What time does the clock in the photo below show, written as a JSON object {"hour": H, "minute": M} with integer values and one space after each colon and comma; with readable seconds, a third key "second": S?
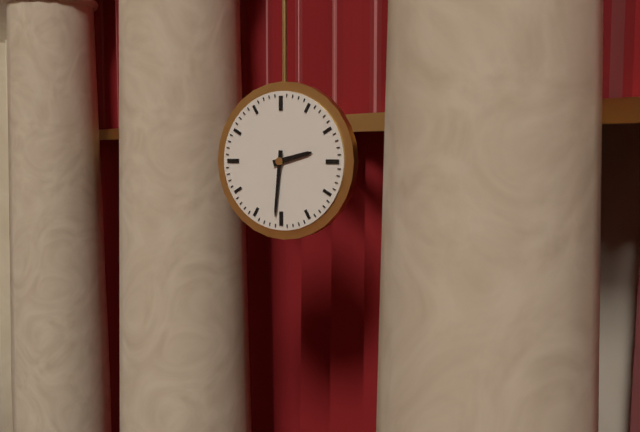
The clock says {"hour": 2, "minute": 31}
